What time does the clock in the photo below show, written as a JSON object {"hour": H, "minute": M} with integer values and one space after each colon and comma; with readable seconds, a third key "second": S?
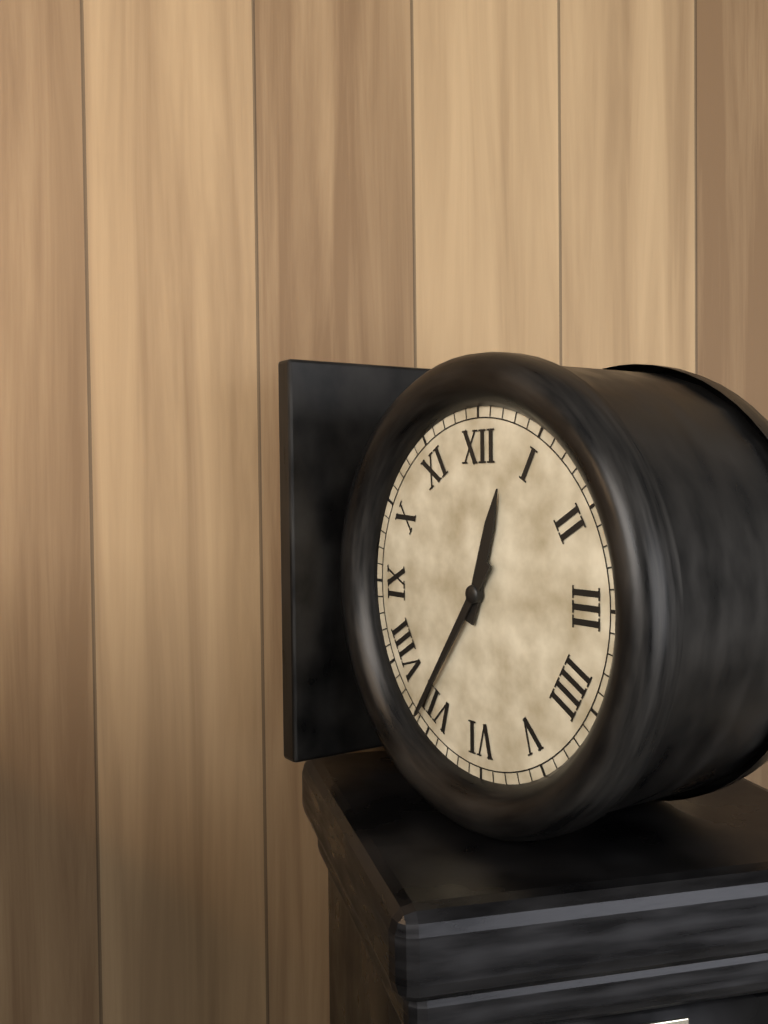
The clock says {"hour": 12, "minute": 36}
